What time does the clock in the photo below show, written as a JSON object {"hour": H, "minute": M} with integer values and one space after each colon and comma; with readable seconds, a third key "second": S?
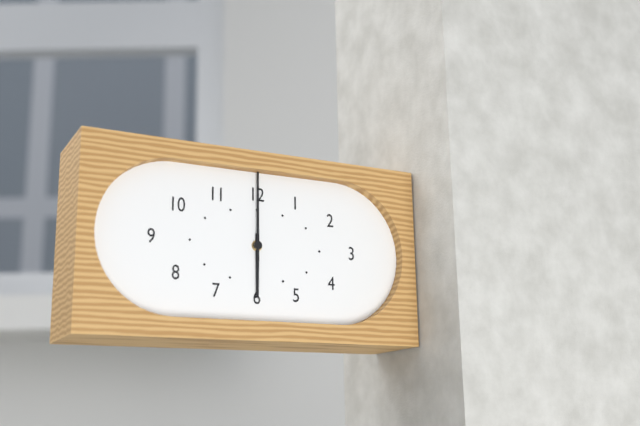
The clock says {"hour": 6, "minute": 0}
